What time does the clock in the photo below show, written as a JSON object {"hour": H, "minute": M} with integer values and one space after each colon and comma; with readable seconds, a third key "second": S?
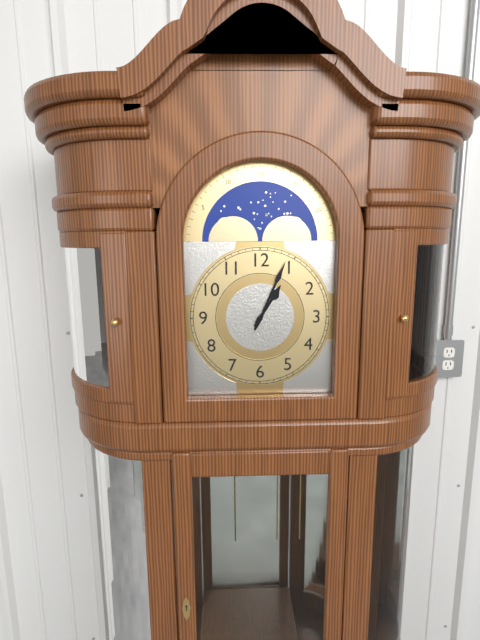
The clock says {"hour": 1, "minute": 4}
